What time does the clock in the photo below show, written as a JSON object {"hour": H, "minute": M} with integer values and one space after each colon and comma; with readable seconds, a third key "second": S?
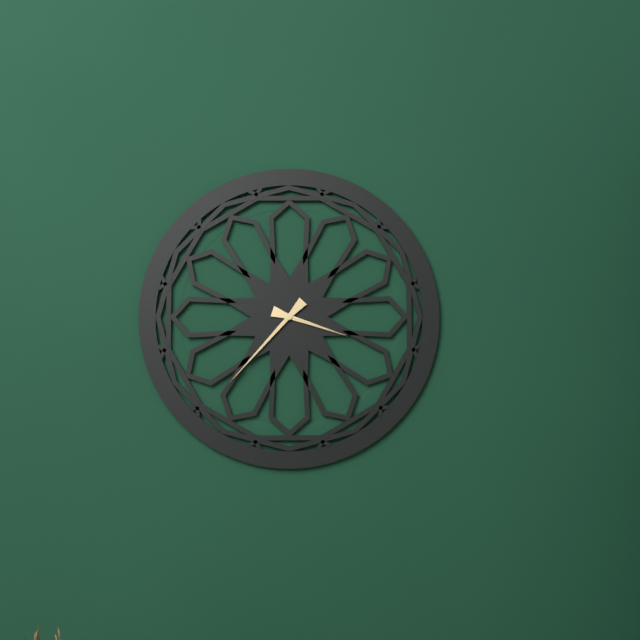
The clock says {"hour": 3, "minute": 37}
